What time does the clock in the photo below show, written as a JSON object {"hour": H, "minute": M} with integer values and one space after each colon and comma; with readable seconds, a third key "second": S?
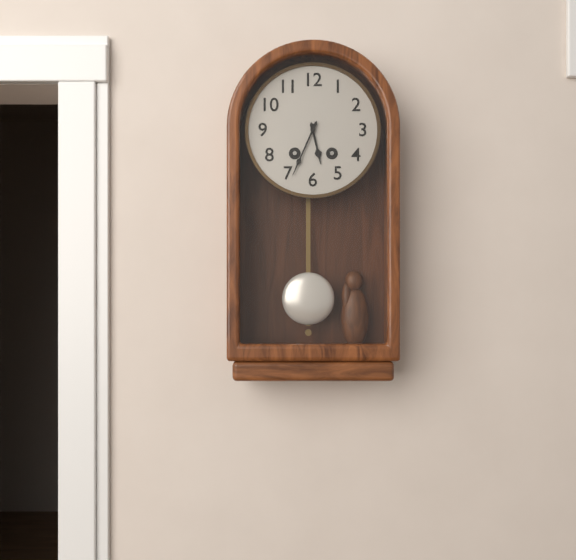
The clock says {"hour": 5, "minute": 34}
